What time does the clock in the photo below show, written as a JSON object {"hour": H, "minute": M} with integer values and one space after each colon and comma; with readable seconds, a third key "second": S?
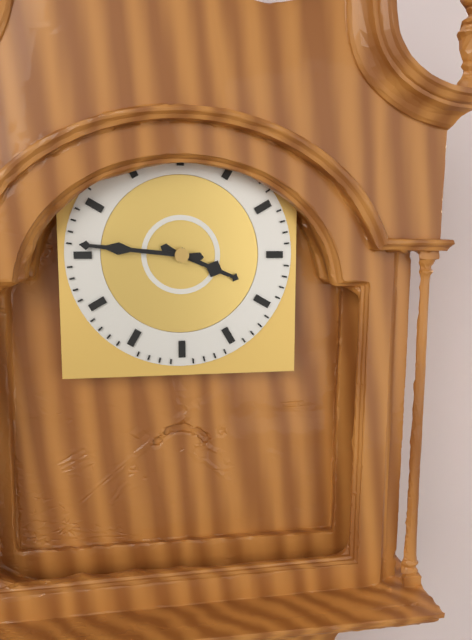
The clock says {"hour": 3, "minute": 46}
